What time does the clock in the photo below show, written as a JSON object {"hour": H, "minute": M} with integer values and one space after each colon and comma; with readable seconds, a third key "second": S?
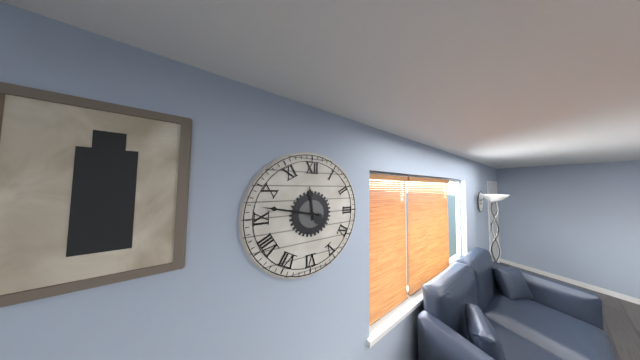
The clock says {"hour": 11, "minute": 47}
